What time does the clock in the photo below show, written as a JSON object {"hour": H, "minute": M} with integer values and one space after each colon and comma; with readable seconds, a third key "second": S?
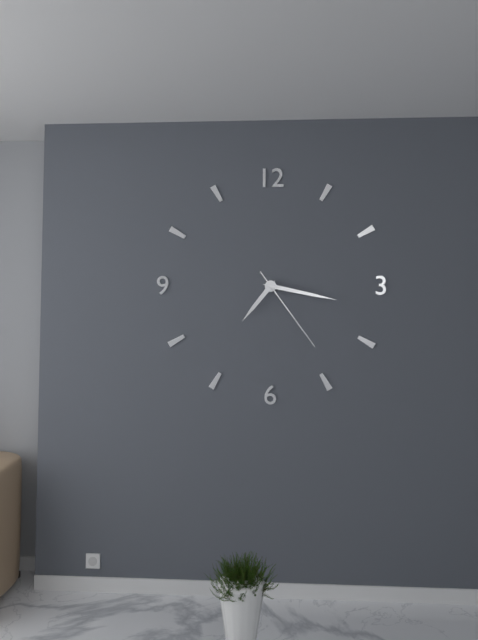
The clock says {"hour": 7, "minute": 17, "second": 24}
